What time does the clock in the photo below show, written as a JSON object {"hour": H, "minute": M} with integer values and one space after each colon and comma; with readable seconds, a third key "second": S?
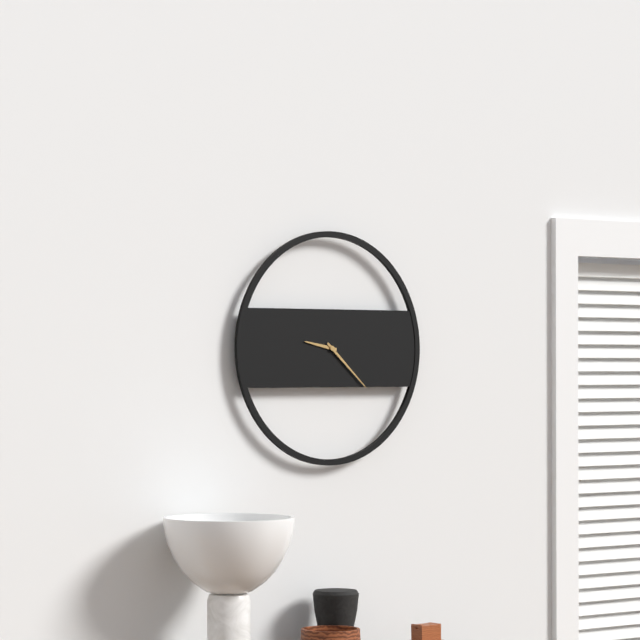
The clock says {"hour": 9, "minute": 22}
